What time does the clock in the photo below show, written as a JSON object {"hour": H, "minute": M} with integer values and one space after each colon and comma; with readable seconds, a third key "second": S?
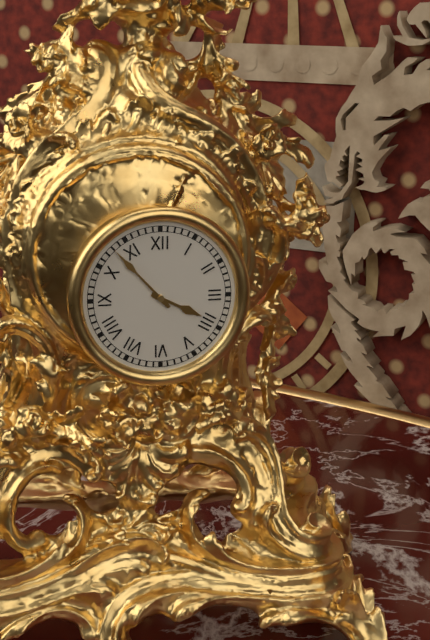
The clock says {"hour": 3, "minute": 53}
